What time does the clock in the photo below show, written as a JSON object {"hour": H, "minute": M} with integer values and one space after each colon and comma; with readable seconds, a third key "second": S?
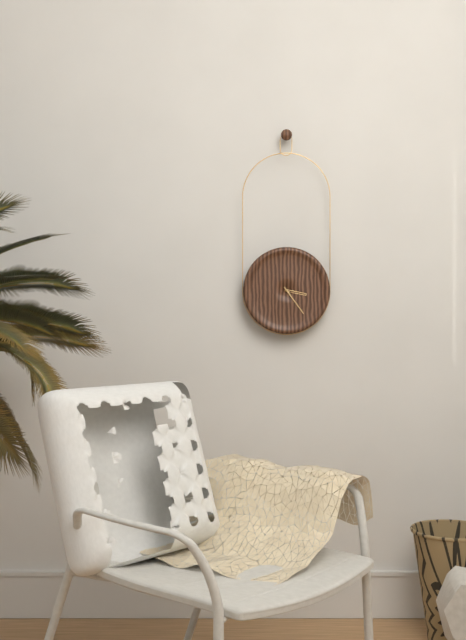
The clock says {"hour": 3, "minute": 24}
